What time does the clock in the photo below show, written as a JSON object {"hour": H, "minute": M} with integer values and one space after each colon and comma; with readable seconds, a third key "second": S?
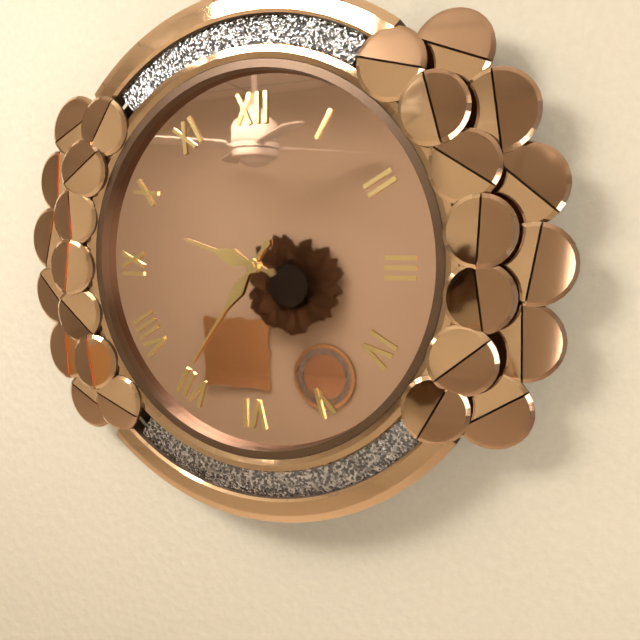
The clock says {"hour": 9, "minute": 36}
